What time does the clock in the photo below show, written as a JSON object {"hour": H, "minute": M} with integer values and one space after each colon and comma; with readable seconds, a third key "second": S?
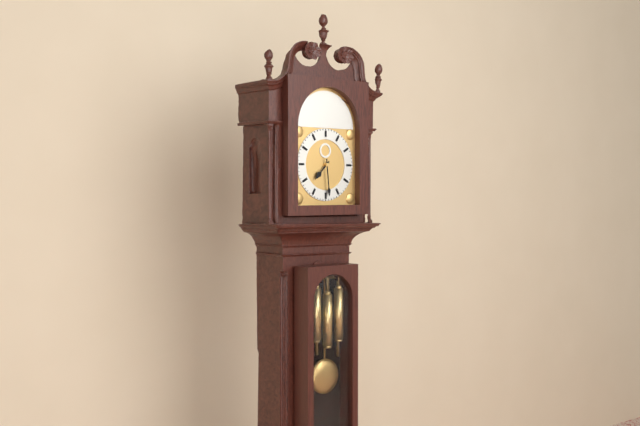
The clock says {"hour": 7, "minute": 29}
